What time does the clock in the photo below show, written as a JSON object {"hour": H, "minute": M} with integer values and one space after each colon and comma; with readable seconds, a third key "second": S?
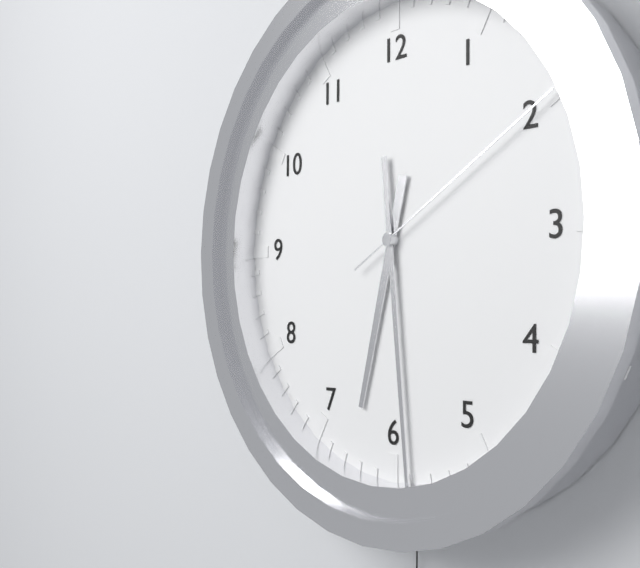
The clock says {"hour": 6, "minute": 29, "second": 10}
